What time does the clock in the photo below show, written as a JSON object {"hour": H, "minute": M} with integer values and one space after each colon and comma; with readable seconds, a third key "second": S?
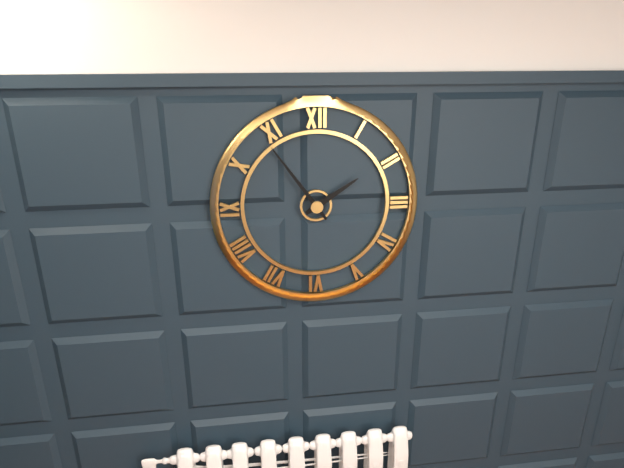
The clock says {"hour": 1, "minute": 54}
